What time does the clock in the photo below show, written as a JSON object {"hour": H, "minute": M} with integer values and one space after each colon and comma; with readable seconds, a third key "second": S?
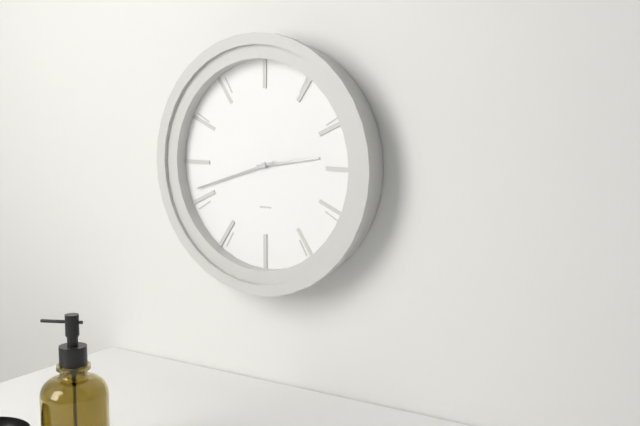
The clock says {"hour": 2, "minute": 42}
